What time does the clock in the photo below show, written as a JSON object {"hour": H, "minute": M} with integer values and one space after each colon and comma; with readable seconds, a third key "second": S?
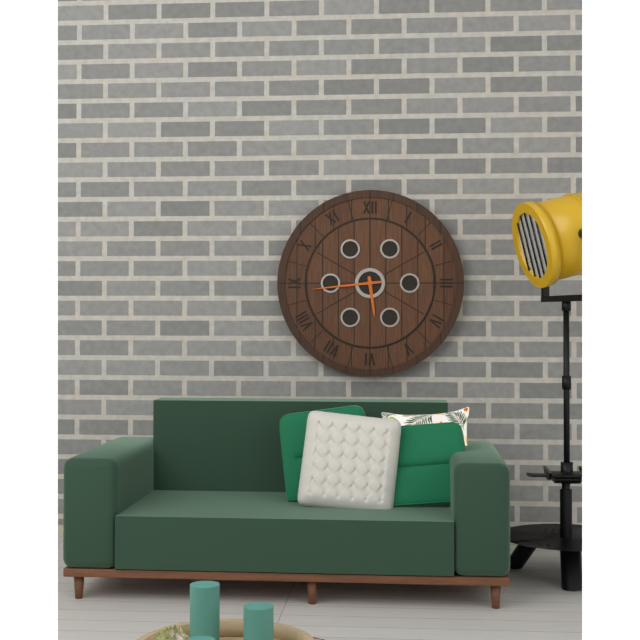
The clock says {"hour": 5, "minute": 44}
